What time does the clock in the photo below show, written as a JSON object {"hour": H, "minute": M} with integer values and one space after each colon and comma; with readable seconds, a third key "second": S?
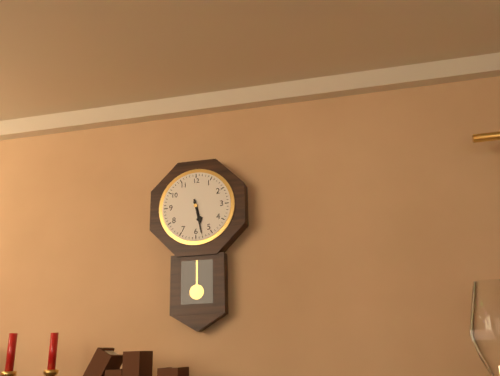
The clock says {"hour": 5, "minute": 28}
